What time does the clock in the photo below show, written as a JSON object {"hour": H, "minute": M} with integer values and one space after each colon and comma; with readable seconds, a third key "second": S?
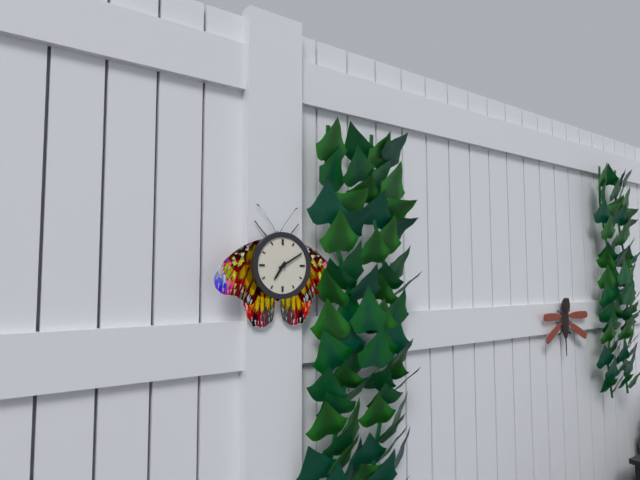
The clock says {"hour": 7, "minute": 10}
